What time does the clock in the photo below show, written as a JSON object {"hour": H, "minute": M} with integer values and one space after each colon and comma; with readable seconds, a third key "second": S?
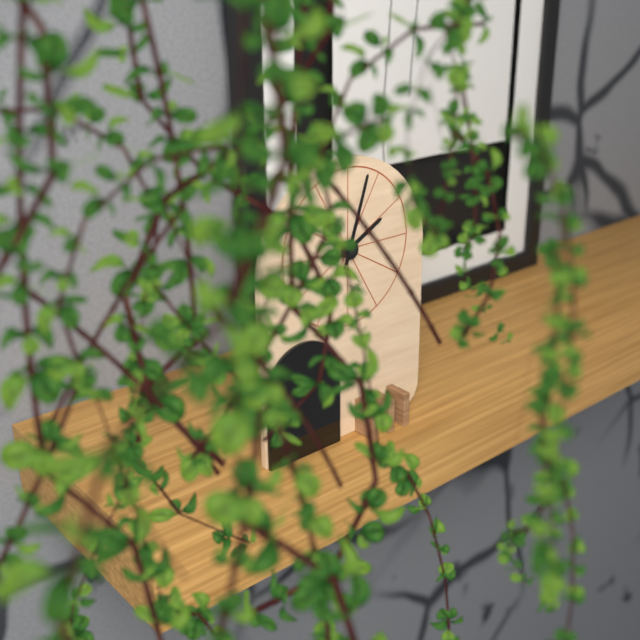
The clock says {"hour": 2, "minute": 3}
